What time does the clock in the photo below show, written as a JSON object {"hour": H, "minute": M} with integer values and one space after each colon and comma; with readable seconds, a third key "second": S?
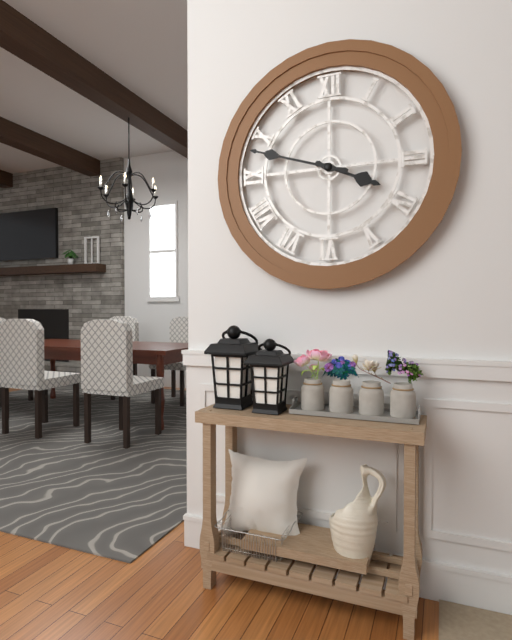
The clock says {"hour": 3, "minute": 48}
